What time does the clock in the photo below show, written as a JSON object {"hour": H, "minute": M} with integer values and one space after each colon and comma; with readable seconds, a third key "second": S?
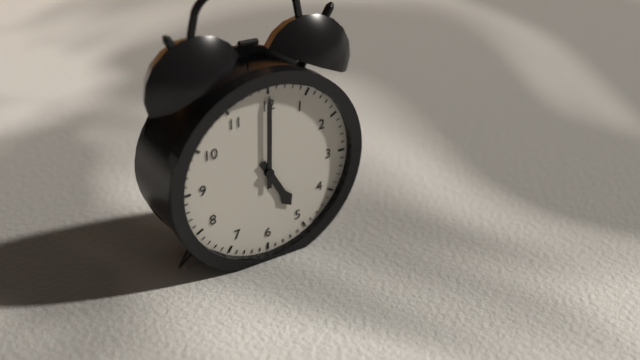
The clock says {"hour": 5, "minute": 0}
